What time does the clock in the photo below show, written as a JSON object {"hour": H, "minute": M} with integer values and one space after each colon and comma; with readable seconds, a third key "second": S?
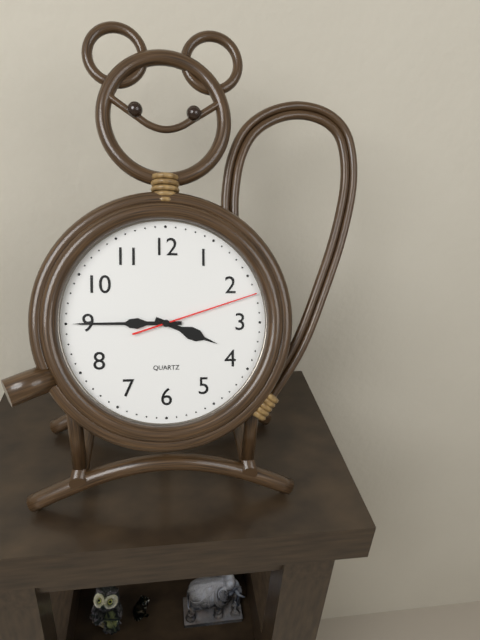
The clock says {"hour": 3, "minute": 45, "second": 12}
